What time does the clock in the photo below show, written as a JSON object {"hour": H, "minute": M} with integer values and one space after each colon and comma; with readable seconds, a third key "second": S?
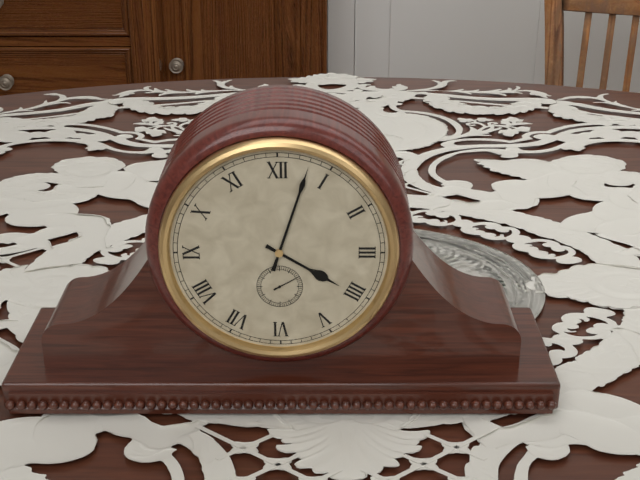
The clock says {"hour": 4, "minute": 3}
